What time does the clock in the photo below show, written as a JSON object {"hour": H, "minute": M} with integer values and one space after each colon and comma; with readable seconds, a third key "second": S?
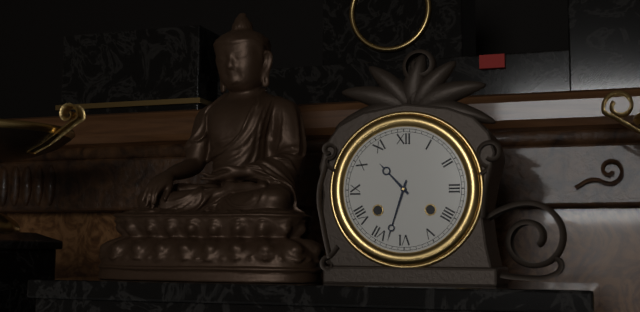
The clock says {"hour": 10, "minute": 33}
